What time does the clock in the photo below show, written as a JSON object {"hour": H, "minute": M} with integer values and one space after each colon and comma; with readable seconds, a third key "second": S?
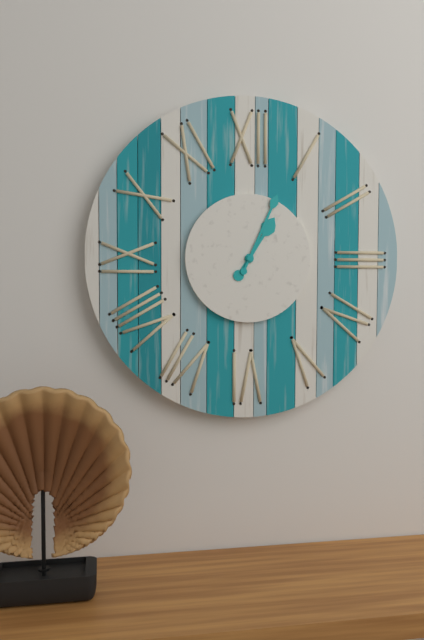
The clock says {"hour": 1, "minute": 4}
